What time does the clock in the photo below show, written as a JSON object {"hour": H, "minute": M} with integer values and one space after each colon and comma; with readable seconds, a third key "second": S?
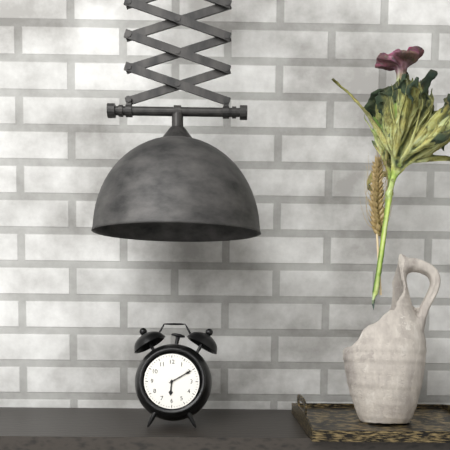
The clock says {"hour": 6, "minute": 10}
